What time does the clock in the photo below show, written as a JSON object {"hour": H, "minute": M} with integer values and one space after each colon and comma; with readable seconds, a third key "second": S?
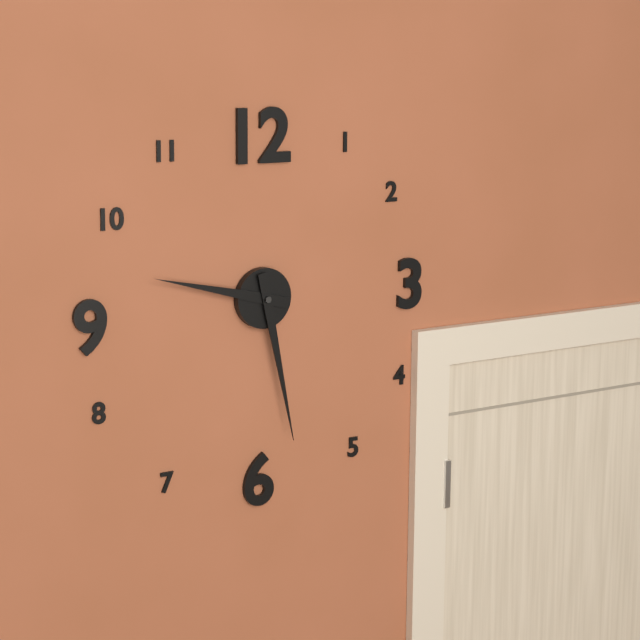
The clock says {"hour": 9, "minute": 28}
